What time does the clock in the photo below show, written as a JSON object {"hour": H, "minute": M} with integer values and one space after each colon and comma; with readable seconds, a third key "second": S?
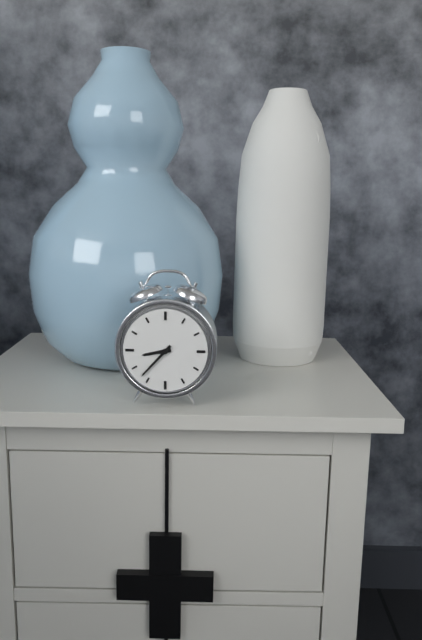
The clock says {"hour": 8, "minute": 37}
